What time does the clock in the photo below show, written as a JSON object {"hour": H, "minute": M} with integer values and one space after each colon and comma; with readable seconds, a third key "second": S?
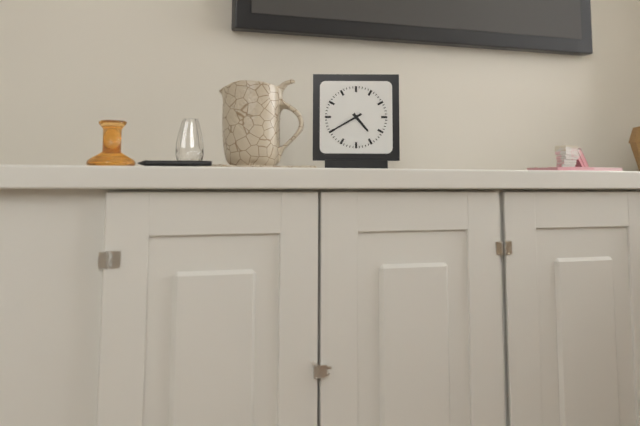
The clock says {"hour": 4, "minute": 40}
